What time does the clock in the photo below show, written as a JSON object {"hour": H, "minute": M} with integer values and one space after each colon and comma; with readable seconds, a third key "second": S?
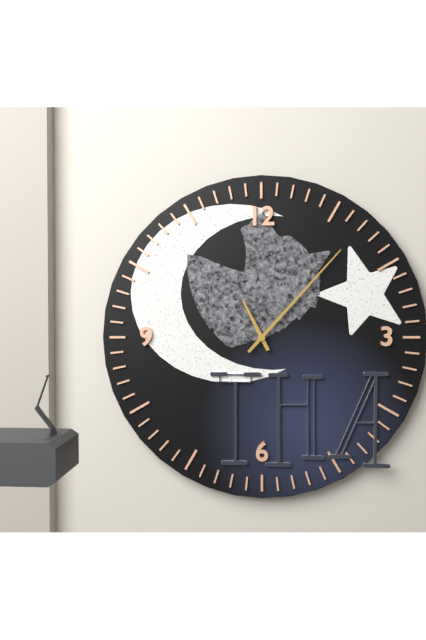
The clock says {"hour": 11, "minute": 7}
